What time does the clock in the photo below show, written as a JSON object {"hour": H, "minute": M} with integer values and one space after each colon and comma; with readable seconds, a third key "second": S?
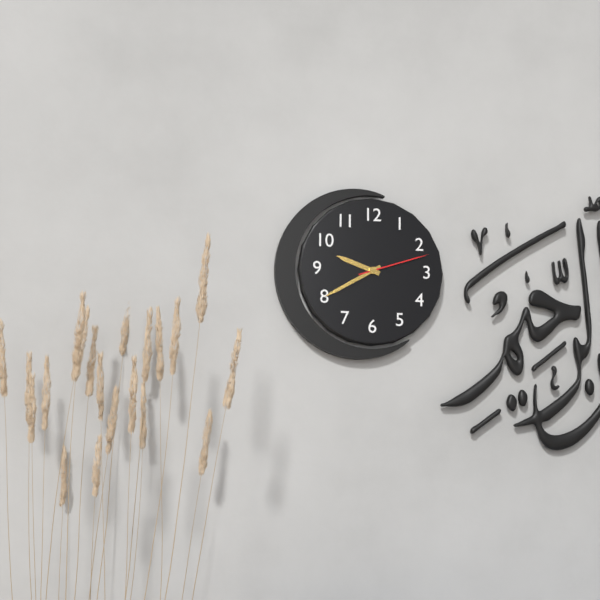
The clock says {"hour": 9, "minute": 40, "second": 12}
